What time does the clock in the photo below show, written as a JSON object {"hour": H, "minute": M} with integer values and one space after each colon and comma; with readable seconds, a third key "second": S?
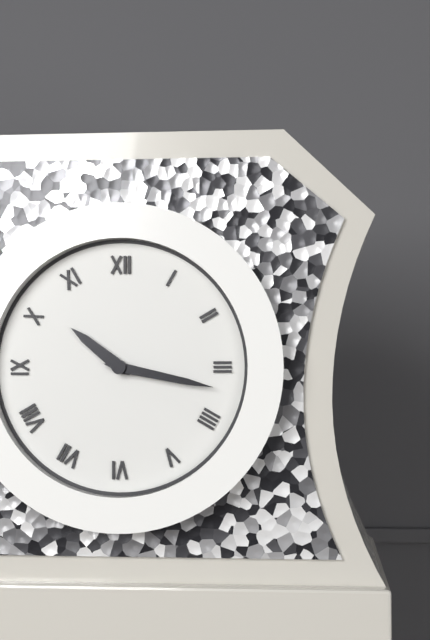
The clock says {"hour": 10, "minute": 17}
